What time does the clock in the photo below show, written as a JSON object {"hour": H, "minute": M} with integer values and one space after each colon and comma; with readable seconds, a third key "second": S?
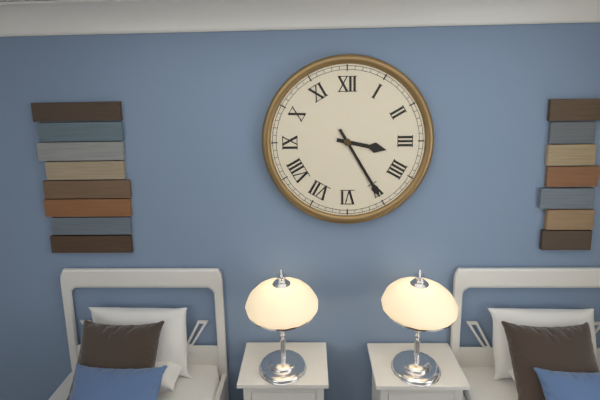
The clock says {"hour": 3, "minute": 25}
